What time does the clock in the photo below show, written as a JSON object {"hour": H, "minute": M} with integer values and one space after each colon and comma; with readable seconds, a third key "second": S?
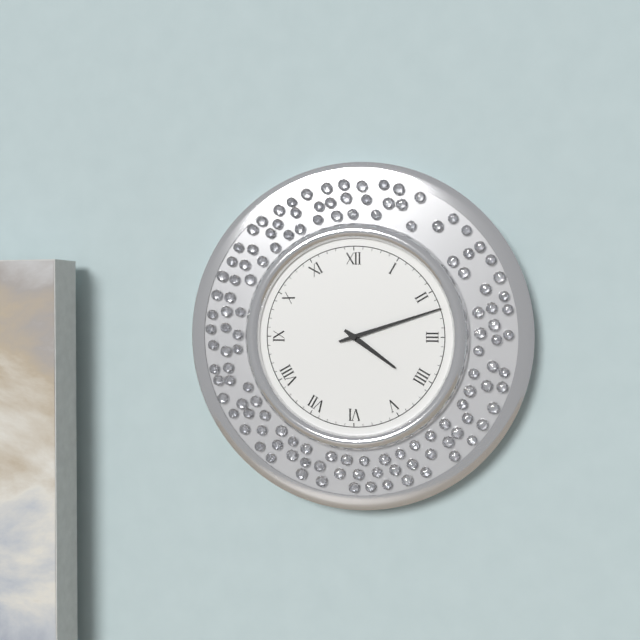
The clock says {"hour": 4, "minute": 12}
